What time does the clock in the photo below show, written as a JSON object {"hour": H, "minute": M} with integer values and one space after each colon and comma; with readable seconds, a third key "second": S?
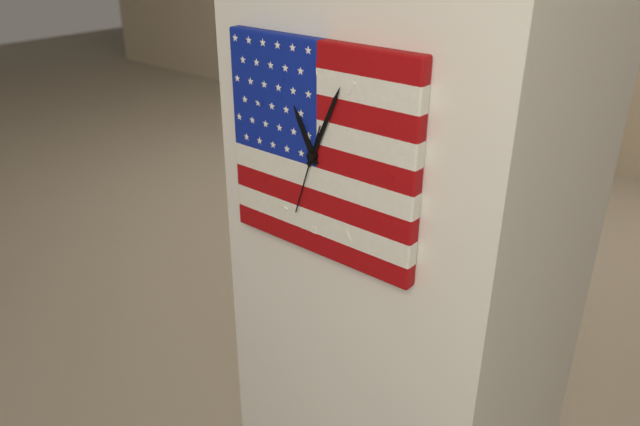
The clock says {"hour": 11, "minute": 4, "second": 33}
